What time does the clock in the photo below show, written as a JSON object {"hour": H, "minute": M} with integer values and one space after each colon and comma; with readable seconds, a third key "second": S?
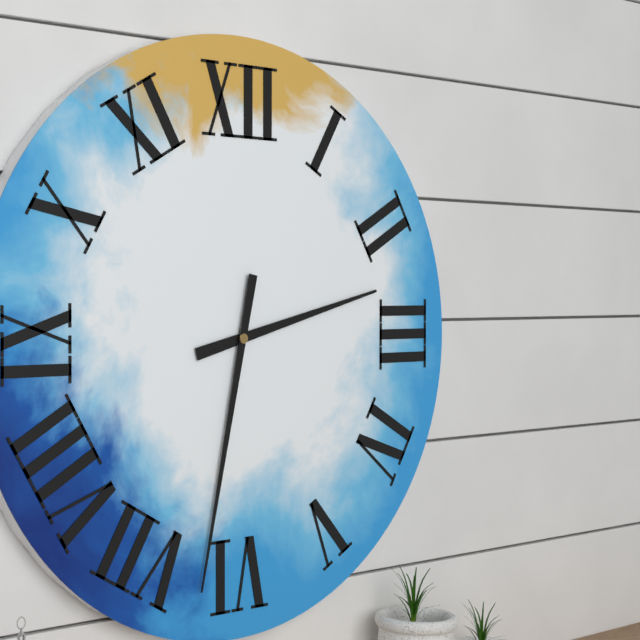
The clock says {"hour": 2, "minute": 32}
